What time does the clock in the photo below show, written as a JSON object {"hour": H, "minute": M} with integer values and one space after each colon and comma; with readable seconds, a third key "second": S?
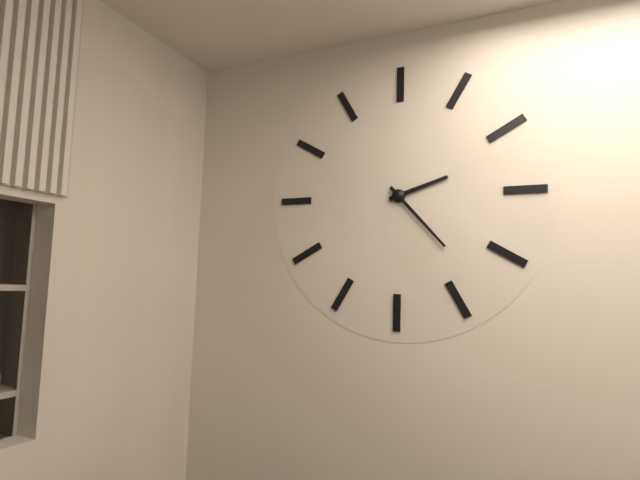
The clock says {"hour": 2, "minute": 23}
